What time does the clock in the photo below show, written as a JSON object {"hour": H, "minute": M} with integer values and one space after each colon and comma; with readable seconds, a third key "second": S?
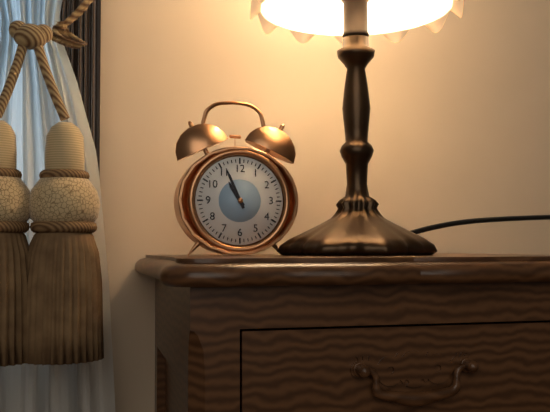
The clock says {"hour": 10, "minute": 56}
